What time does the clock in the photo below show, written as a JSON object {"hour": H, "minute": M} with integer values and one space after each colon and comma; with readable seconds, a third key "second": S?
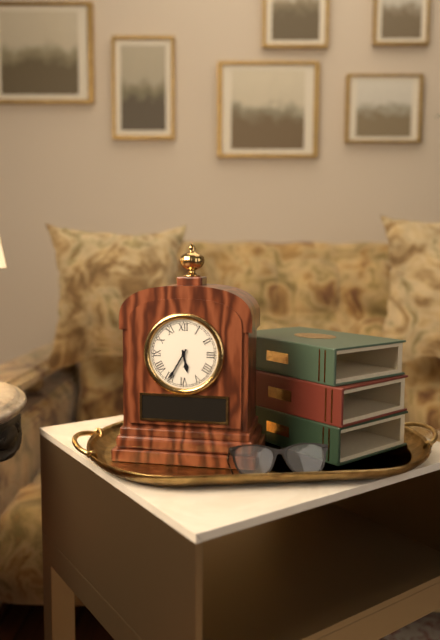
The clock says {"hour": 5, "minute": 35}
